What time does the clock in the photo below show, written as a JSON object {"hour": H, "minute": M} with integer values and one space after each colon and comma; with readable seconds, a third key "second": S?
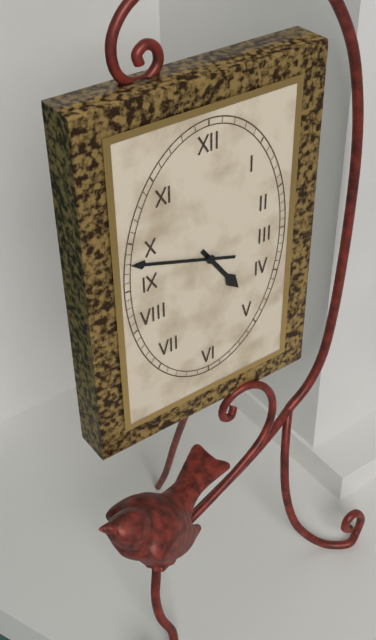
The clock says {"hour": 4, "minute": 48}
